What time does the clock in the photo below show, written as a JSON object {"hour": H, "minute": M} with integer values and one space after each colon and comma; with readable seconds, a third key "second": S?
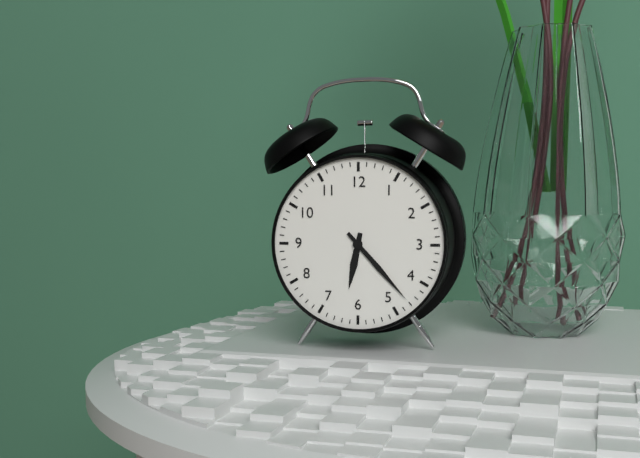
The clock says {"hour": 6, "minute": 23}
